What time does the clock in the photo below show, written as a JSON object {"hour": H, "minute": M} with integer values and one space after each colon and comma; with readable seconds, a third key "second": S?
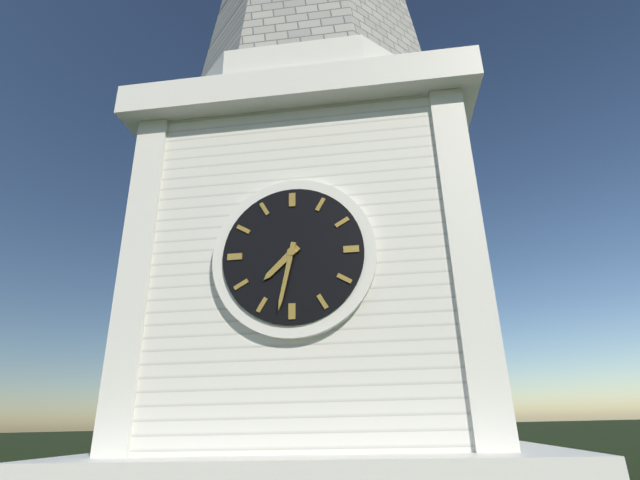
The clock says {"hour": 7, "minute": 32}
